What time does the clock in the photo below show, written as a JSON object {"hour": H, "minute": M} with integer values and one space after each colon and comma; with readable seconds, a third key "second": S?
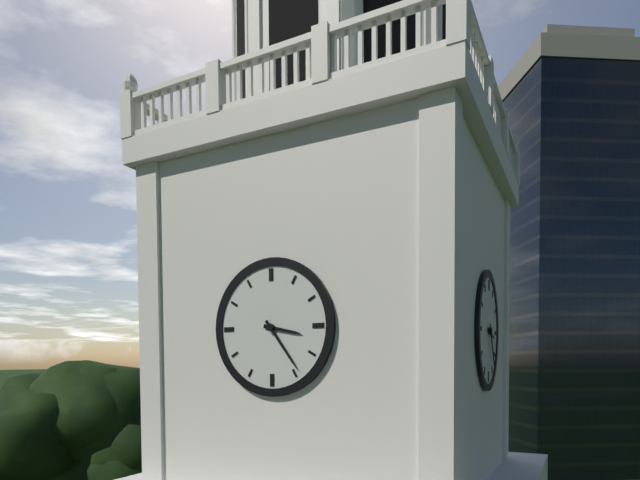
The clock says {"hour": 3, "minute": 24}
